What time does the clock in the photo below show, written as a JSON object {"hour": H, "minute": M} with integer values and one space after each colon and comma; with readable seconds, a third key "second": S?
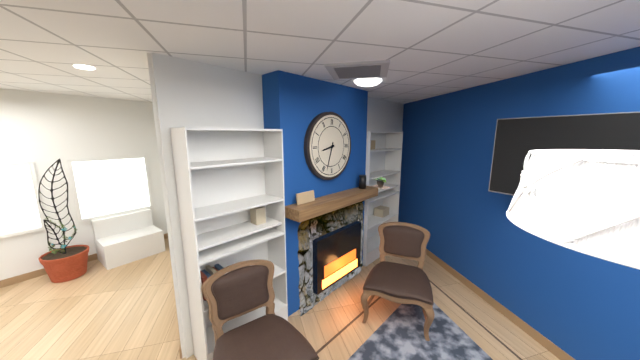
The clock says {"hour": 8, "minute": 33}
